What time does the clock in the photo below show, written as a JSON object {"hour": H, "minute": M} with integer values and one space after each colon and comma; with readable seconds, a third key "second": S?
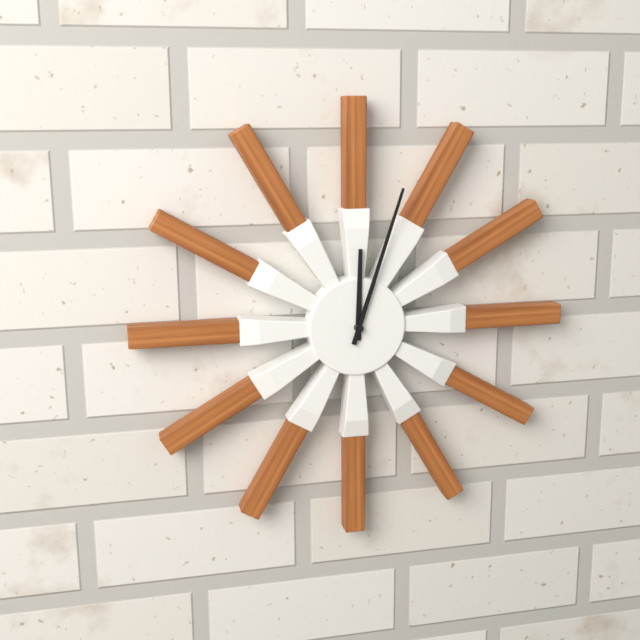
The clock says {"hour": 12, "minute": 3}
